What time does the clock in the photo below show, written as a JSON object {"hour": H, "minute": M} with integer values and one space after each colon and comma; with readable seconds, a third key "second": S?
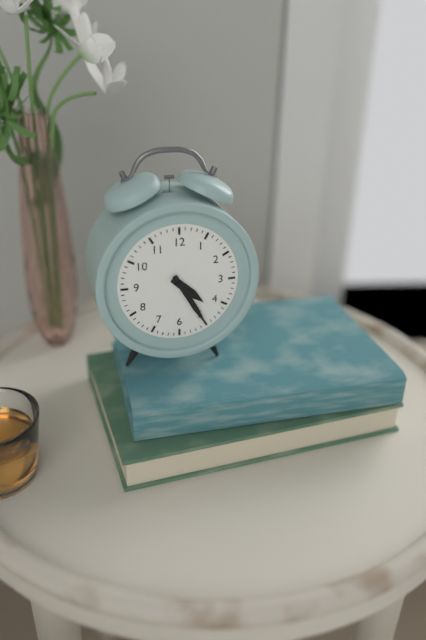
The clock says {"hour": 4, "minute": 25}
